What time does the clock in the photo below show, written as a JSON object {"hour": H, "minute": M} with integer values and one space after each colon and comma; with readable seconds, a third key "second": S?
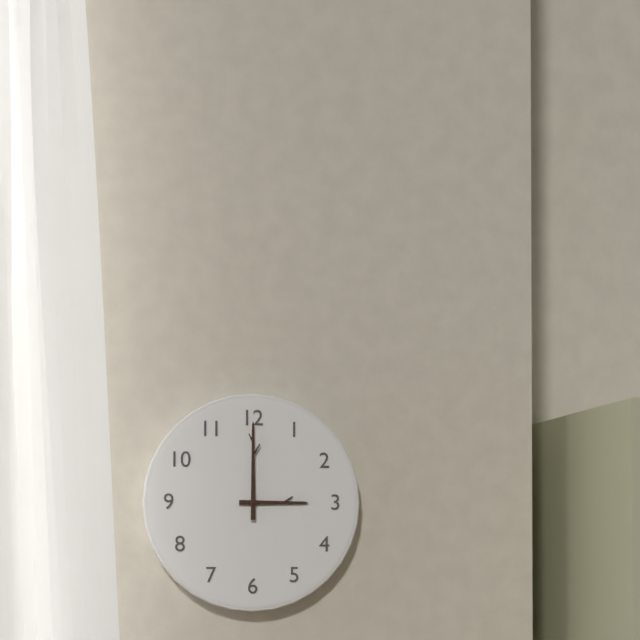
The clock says {"hour": 3, "minute": 0}
